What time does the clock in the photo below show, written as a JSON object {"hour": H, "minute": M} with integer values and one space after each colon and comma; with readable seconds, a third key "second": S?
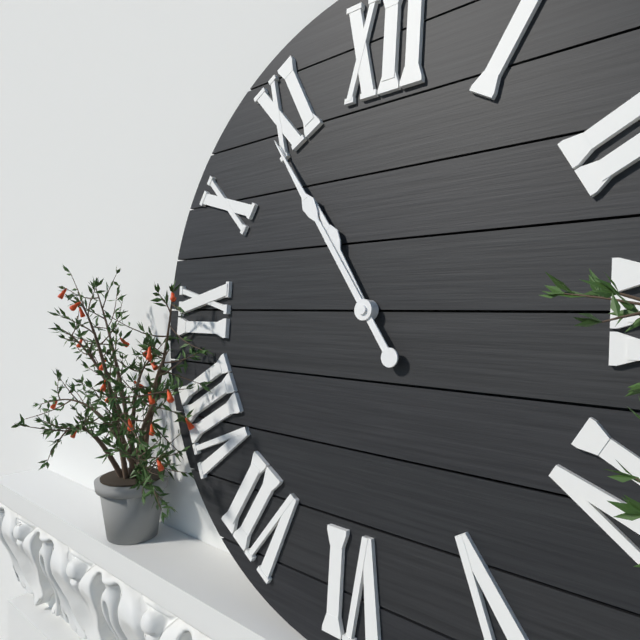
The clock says {"hour": 10, "minute": 54}
